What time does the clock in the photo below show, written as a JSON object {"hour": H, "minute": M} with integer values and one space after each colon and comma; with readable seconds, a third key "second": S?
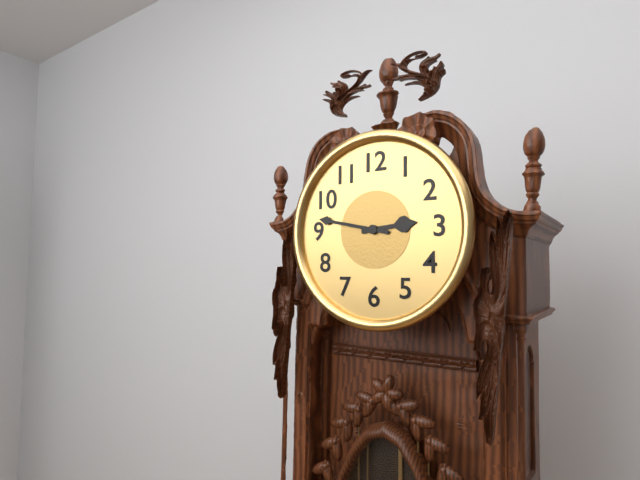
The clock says {"hour": 2, "minute": 47}
